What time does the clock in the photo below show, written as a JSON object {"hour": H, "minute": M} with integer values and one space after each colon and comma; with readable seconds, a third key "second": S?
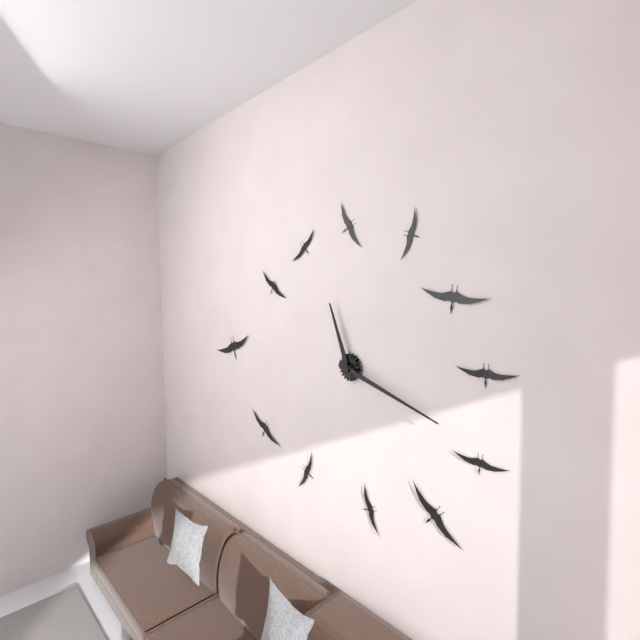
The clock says {"hour": 11, "minute": 18}
